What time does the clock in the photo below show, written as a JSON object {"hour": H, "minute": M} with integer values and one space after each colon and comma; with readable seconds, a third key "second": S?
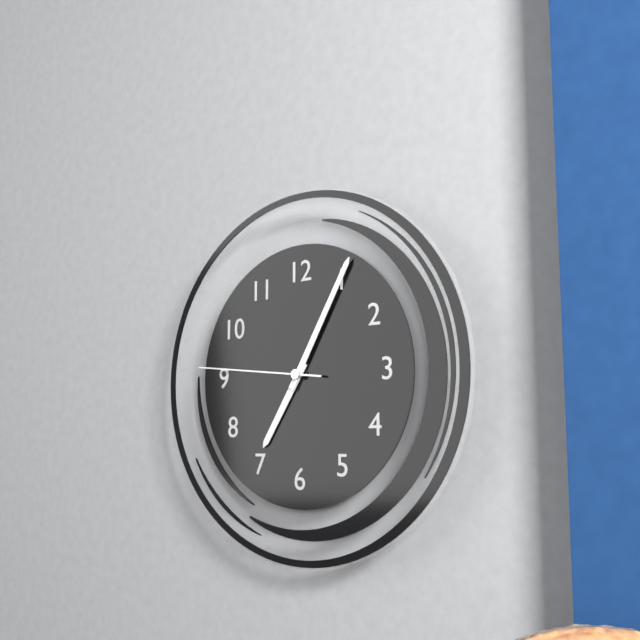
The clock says {"hour": 7, "minute": 5, "second": 46}
